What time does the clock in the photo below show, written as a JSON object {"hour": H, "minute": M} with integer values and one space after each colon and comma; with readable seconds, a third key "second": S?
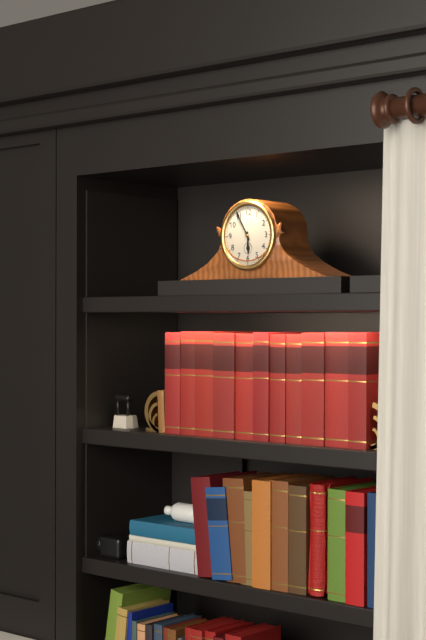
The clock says {"hour": 5, "minute": 55}
